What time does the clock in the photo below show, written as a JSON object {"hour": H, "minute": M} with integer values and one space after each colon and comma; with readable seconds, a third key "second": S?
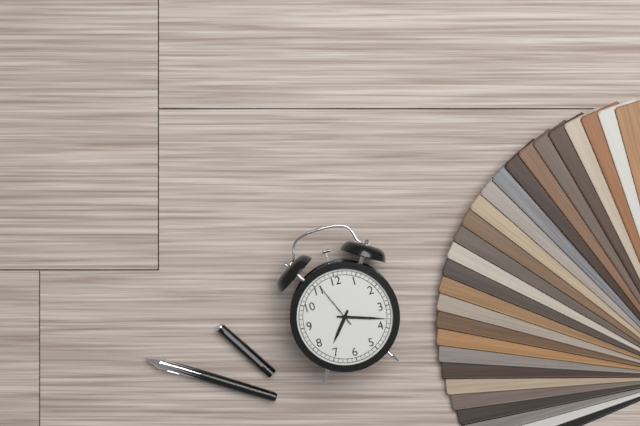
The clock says {"hour": 7, "minute": 18, "second": 56}
